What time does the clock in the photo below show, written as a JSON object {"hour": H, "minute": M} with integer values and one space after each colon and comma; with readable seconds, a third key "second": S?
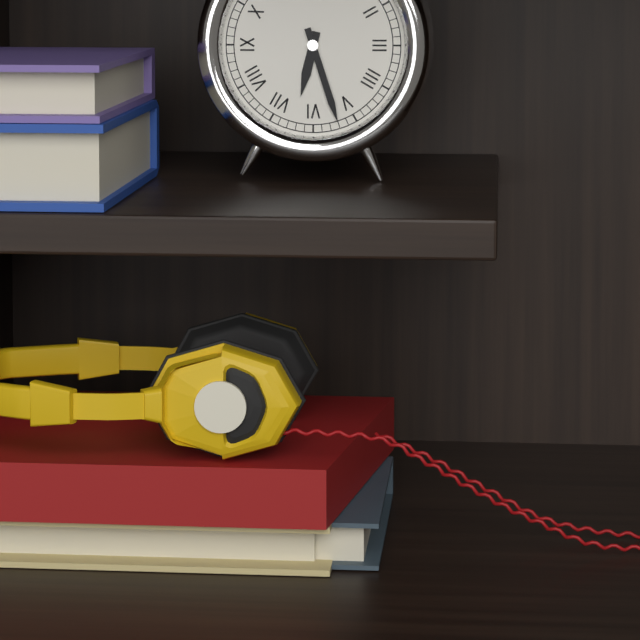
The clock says {"hour": 6, "minute": 27}
